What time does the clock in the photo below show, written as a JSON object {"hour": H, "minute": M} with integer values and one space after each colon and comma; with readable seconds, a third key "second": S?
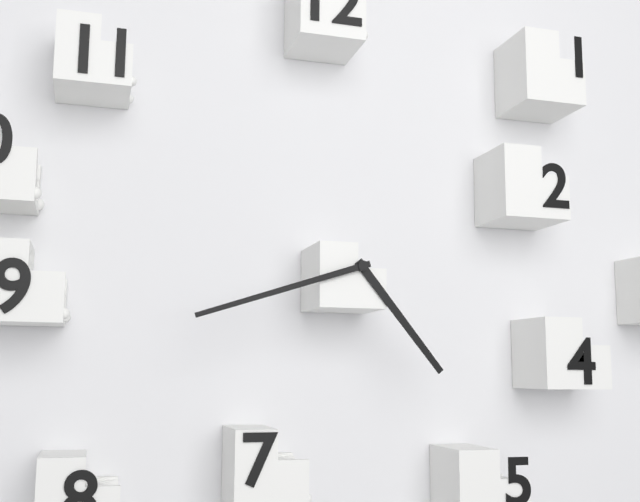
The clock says {"hour": 4, "minute": 42}
